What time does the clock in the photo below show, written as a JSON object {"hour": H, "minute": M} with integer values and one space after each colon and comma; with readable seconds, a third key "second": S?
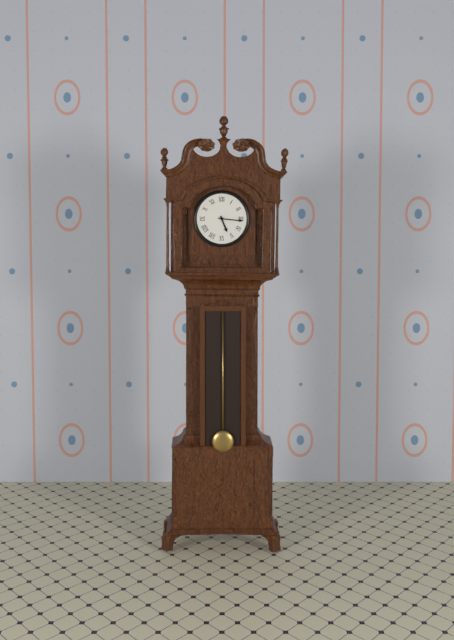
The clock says {"hour": 5, "minute": 16}
